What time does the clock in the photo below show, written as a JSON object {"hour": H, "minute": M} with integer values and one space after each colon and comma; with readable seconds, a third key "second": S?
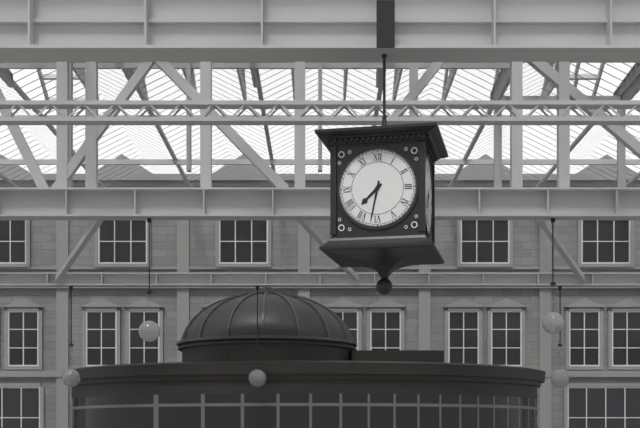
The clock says {"hour": 7, "minute": 32}
